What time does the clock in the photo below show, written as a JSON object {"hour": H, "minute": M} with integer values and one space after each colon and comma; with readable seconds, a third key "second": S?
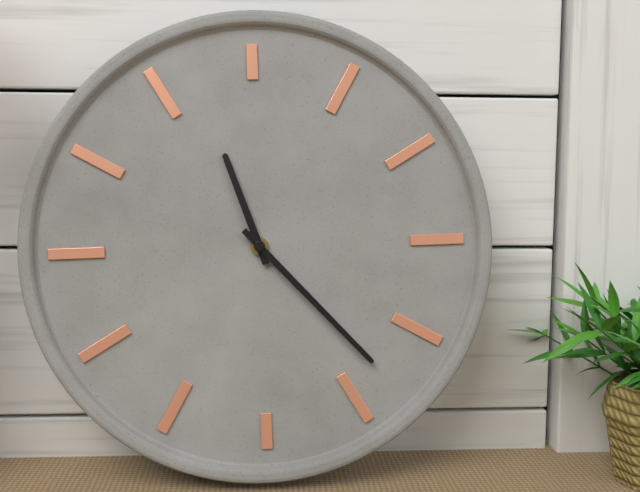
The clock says {"hour": 11, "minute": 23}
